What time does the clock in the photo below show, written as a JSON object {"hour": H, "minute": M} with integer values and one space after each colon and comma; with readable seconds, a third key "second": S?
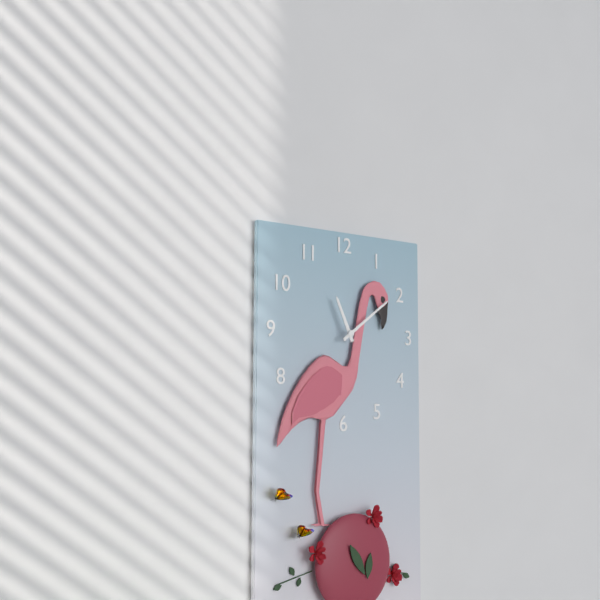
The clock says {"hour": 11, "minute": 9}
